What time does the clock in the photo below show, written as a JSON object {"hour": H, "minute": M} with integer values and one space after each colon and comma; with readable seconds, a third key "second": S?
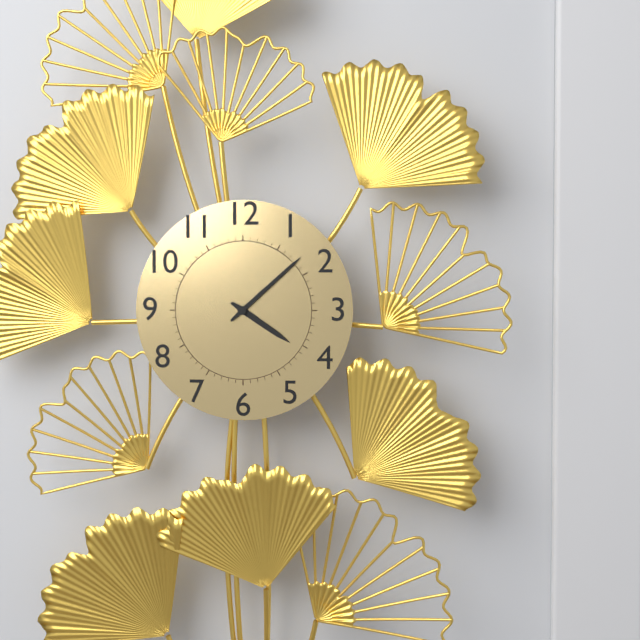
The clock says {"hour": 4, "minute": 8}
